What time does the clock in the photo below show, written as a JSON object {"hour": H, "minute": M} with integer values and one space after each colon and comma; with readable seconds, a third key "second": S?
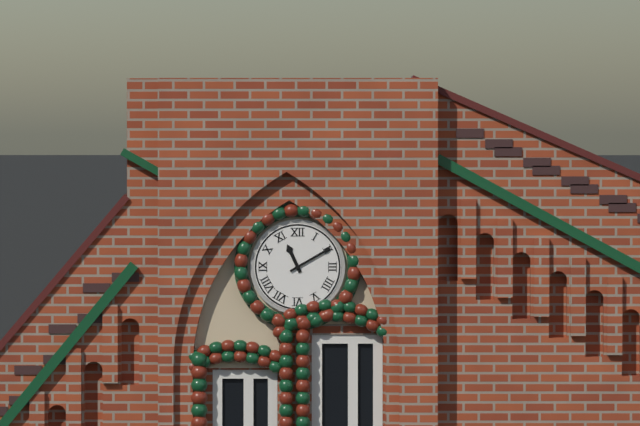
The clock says {"hour": 11, "minute": 10}
